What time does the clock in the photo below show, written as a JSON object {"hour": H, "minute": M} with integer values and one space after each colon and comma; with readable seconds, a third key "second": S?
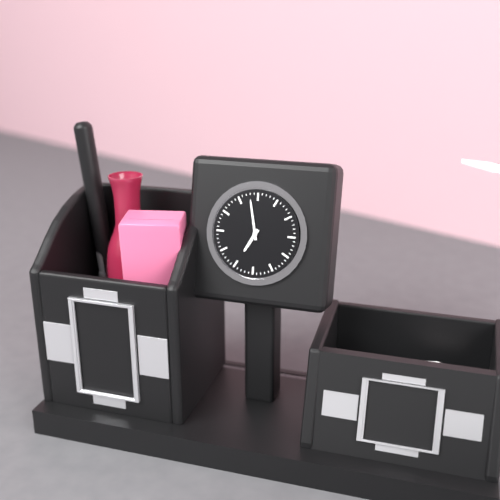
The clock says {"hour": 6, "minute": 58}
